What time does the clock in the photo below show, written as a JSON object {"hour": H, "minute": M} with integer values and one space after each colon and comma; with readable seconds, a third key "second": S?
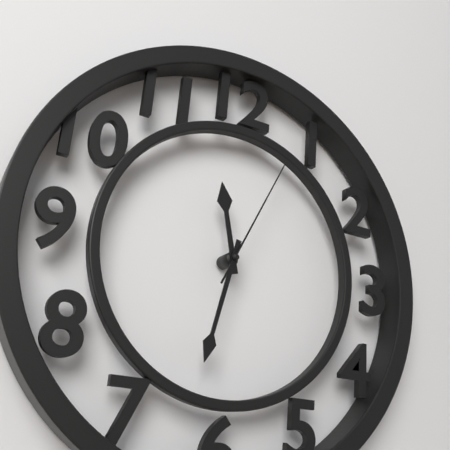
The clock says {"hour": 11, "minute": 32, "second": 4}
